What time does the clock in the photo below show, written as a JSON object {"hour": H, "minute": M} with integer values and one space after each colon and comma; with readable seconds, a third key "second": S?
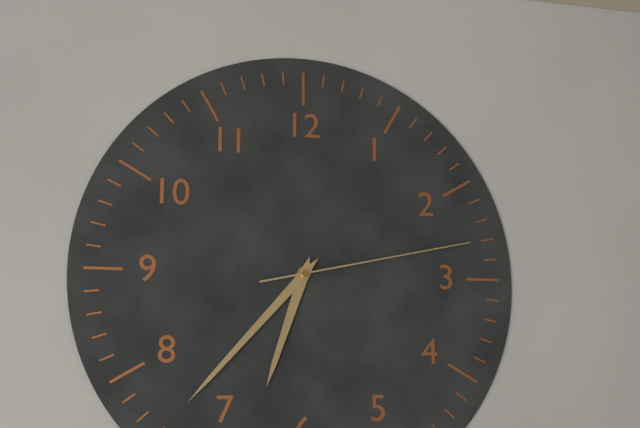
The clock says {"hour": 6, "minute": 37, "second": 13}
